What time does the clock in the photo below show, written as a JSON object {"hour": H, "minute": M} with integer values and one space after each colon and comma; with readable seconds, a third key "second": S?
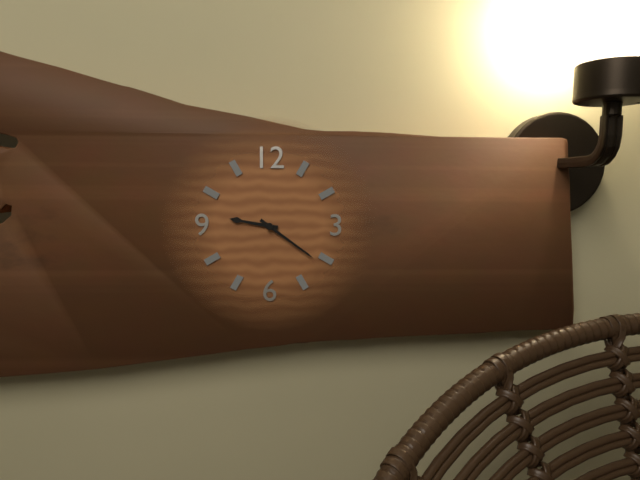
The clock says {"hour": 9, "minute": 21}
